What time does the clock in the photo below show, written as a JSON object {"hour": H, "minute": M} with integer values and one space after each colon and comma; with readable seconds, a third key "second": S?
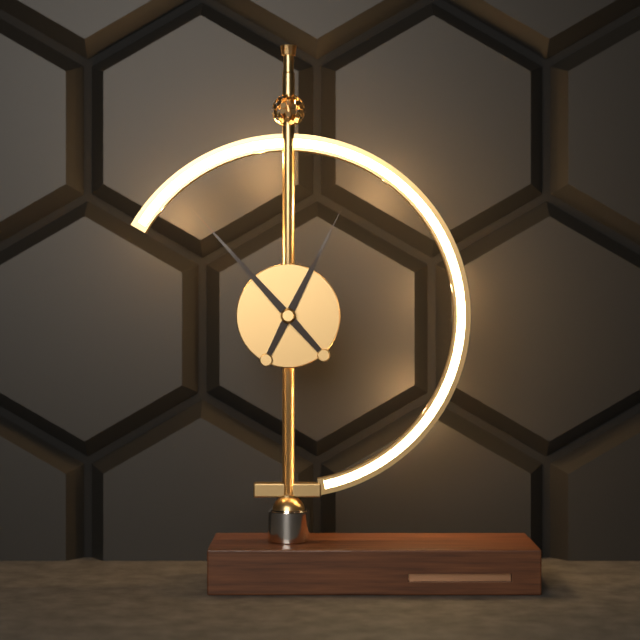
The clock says {"hour": 12, "minute": 53}
